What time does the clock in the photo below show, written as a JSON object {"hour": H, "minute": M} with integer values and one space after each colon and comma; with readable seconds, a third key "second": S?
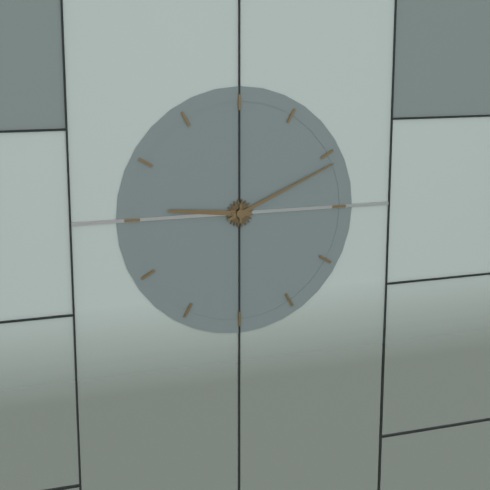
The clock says {"hour": 9, "minute": 11}
